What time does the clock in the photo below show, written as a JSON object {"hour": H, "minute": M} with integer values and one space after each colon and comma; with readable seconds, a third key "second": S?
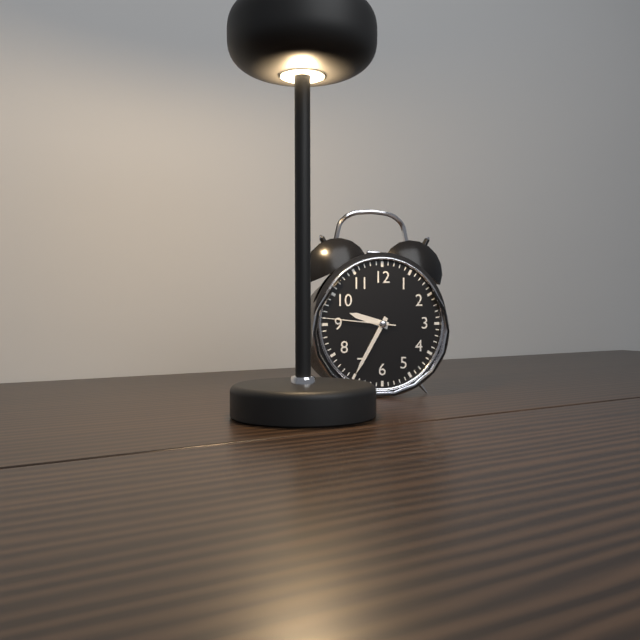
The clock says {"hour": 9, "minute": 35, "second": 46}
